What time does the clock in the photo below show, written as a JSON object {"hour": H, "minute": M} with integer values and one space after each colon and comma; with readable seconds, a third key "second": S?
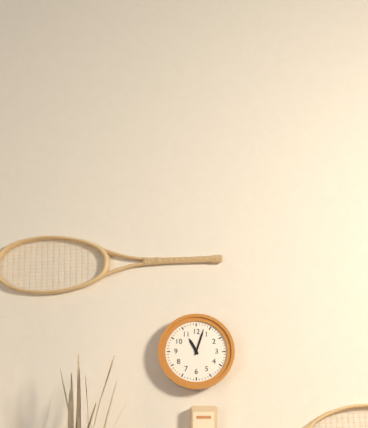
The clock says {"hour": 11, "minute": 3}
